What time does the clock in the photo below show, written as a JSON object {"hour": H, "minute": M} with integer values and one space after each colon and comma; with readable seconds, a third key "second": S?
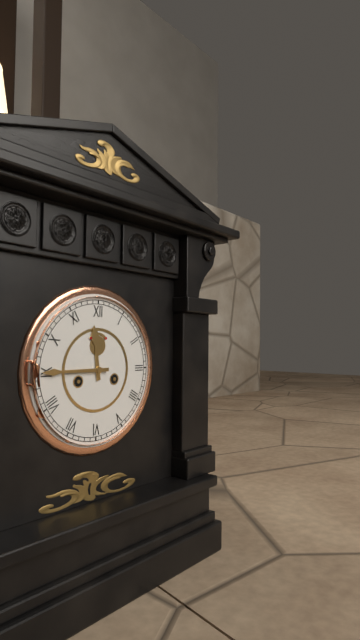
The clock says {"hour": 11, "minute": 45}
